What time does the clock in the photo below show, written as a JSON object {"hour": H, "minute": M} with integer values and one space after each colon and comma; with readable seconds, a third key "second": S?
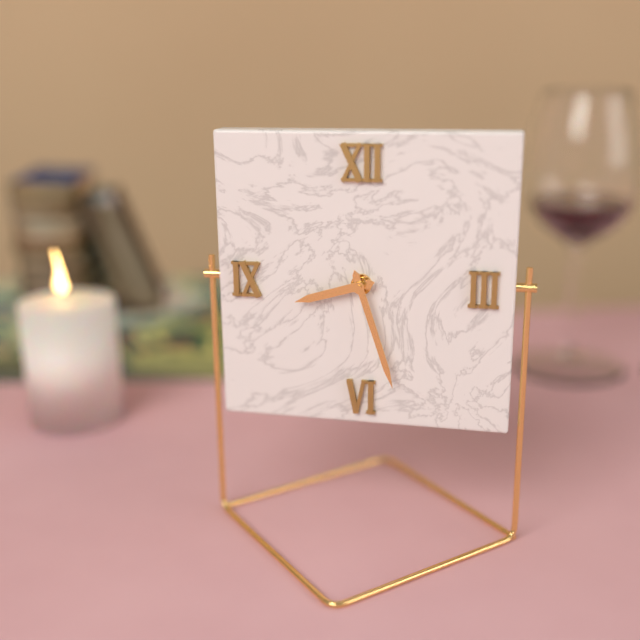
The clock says {"hour": 8, "minute": 27}
